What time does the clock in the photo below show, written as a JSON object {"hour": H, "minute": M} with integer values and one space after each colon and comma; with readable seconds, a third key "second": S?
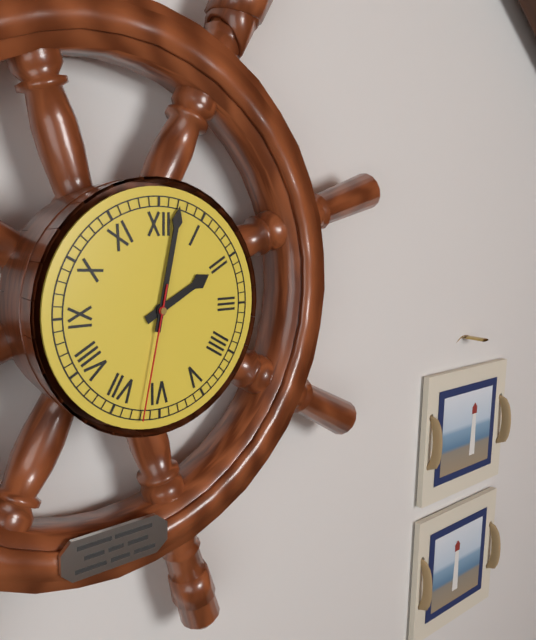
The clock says {"hour": 2, "minute": 2, "second": 32}
